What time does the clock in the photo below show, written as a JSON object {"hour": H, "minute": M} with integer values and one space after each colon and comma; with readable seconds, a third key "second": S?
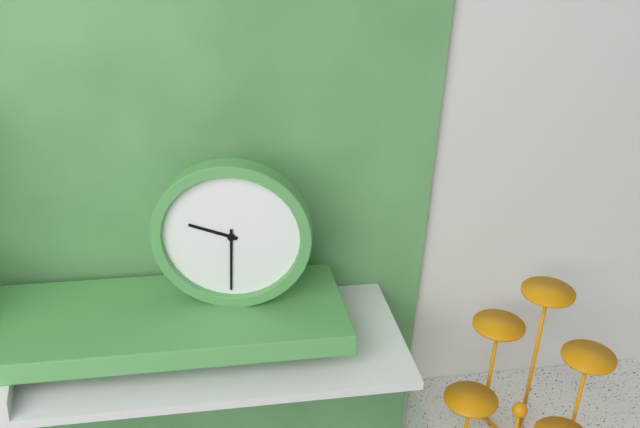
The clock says {"hour": 9, "minute": 30}
